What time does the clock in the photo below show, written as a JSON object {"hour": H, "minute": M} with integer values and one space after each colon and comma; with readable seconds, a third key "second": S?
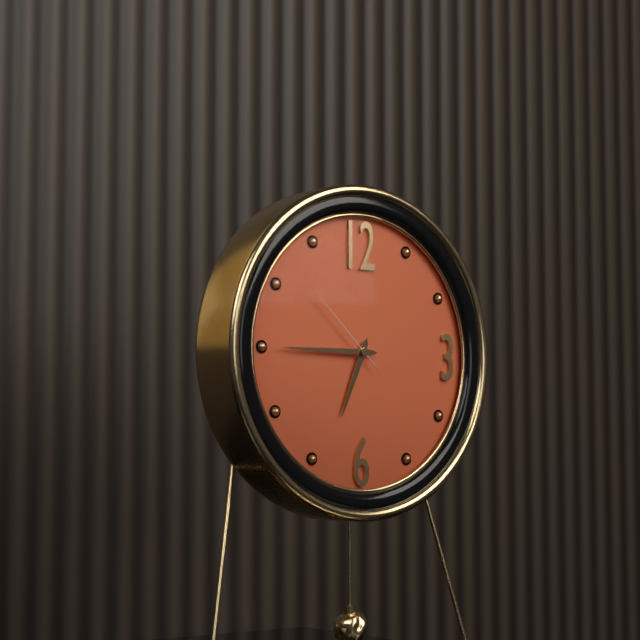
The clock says {"hour": 6, "minute": 45, "second": 52}
